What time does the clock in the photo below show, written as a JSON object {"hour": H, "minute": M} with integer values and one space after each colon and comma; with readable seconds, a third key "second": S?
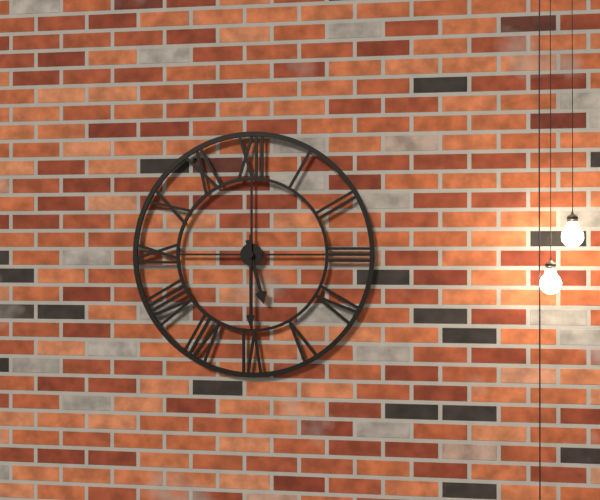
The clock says {"hour": 5, "minute": 30}
